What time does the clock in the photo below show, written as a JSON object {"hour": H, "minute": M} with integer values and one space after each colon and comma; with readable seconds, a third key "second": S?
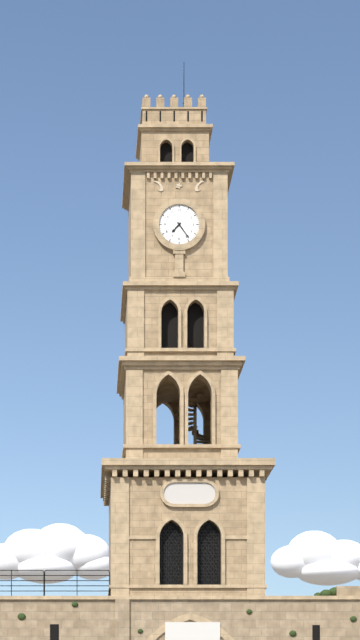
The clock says {"hour": 7, "minute": 24}
